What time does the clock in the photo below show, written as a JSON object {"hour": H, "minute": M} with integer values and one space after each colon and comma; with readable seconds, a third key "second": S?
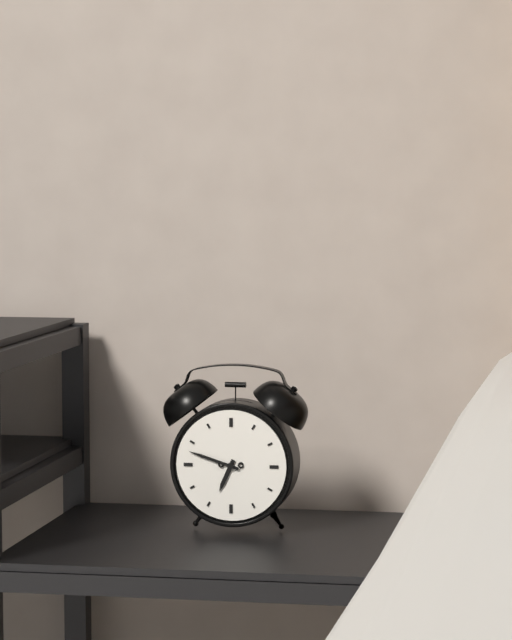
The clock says {"hour": 6, "minute": 48}
